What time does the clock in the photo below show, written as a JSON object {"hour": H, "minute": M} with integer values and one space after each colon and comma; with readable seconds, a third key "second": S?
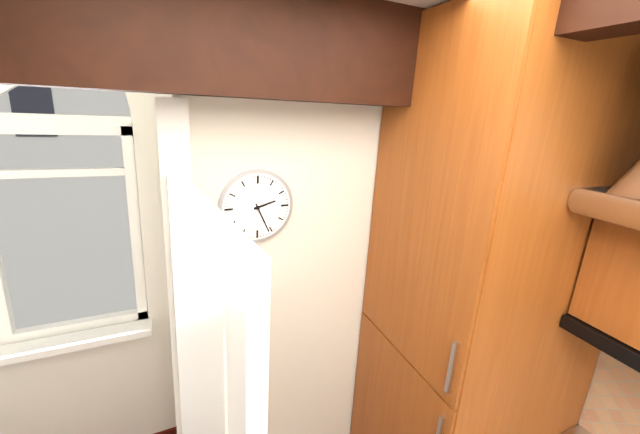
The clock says {"hour": 2, "minute": 26}
